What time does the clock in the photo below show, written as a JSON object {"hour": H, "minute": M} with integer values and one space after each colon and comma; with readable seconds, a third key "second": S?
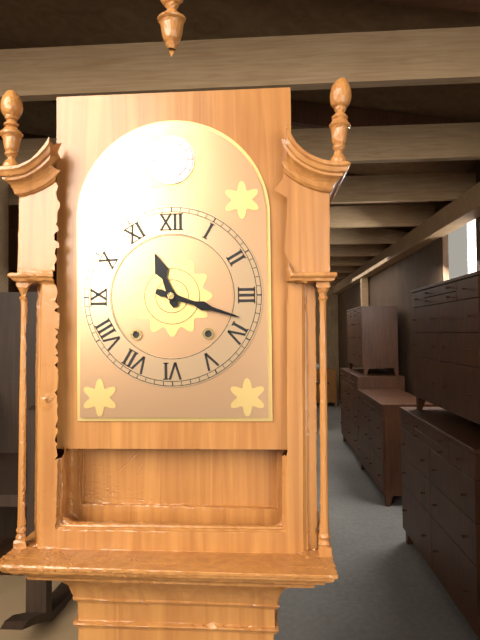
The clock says {"hour": 11, "minute": 18}
